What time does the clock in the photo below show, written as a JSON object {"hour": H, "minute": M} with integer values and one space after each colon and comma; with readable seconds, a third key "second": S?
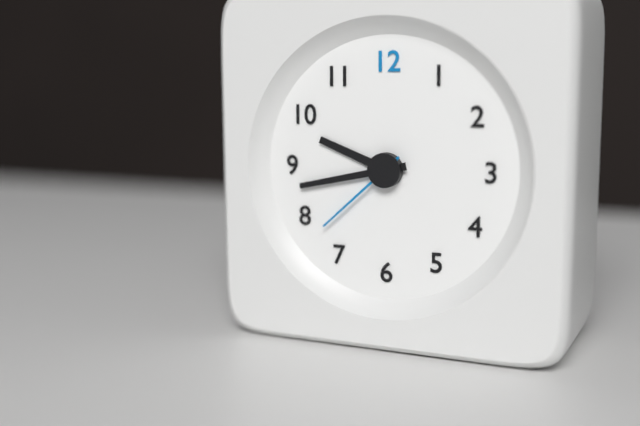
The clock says {"hour": 9, "minute": 43, "second": 38}
